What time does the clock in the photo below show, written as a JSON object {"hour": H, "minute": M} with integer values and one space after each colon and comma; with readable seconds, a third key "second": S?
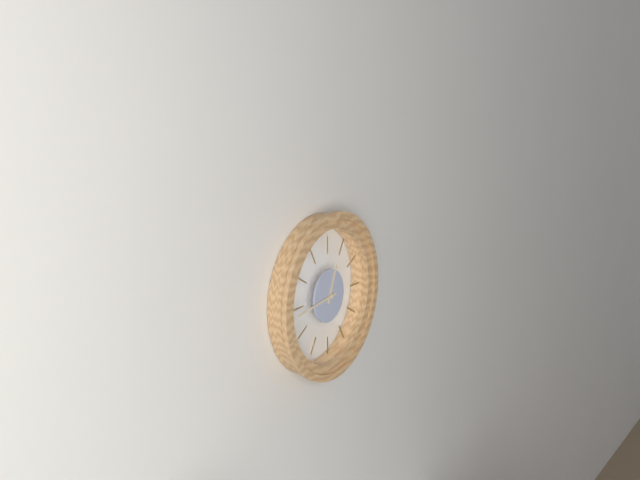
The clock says {"hour": 12, "minute": 44}
